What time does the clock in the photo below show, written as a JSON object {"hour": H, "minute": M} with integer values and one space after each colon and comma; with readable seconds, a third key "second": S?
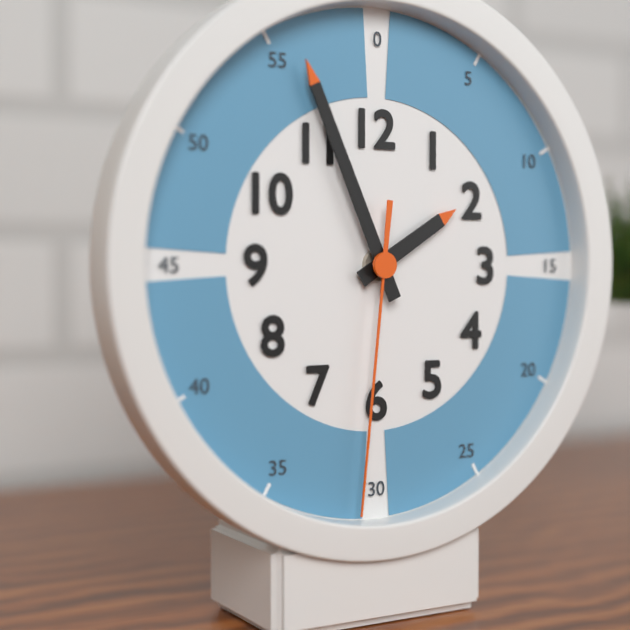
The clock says {"hour": 1, "minute": 56, "second": 31}
